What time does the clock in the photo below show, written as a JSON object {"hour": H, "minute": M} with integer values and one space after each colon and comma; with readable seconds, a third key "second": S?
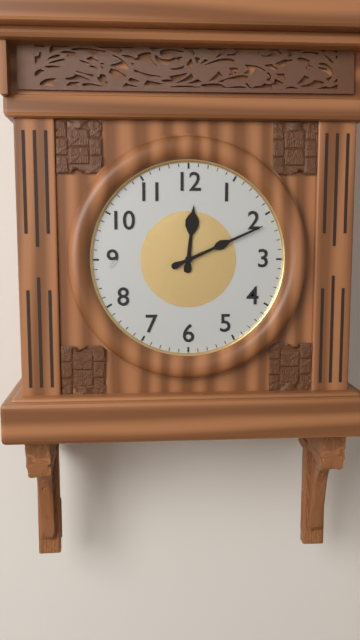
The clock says {"hour": 12, "minute": 11}
